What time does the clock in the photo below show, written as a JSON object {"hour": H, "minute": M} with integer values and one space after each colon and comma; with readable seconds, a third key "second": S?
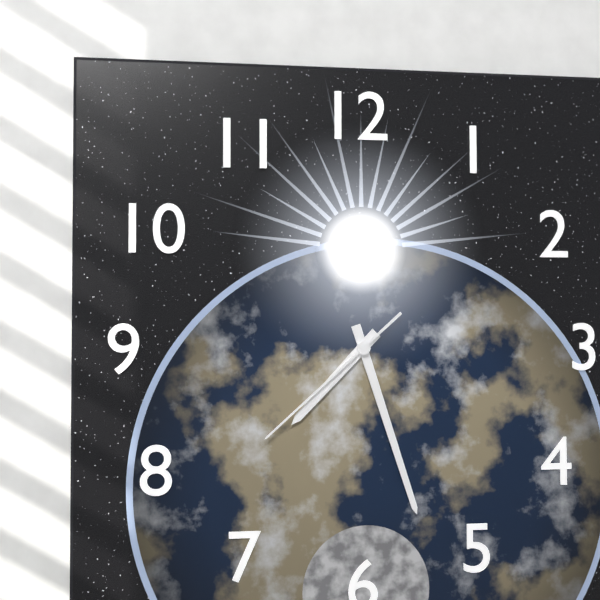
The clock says {"hour": 7, "minute": 27, "second": 38}
